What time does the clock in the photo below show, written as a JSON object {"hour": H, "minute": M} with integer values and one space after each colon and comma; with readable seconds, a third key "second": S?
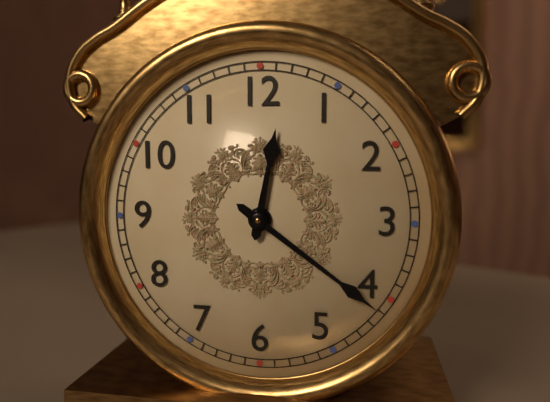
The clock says {"hour": 12, "minute": 21}
